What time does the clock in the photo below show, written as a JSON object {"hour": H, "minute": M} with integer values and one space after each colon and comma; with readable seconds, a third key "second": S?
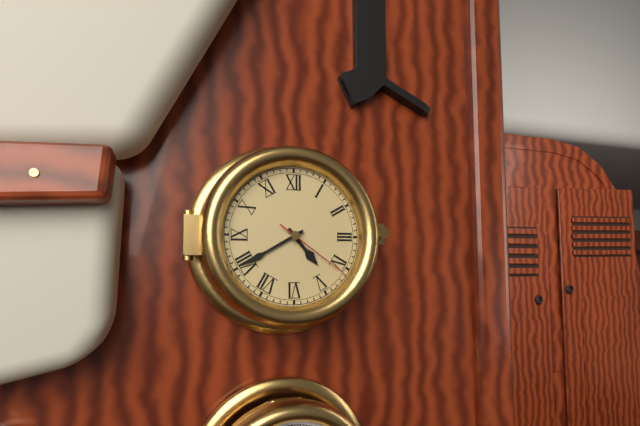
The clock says {"hour": 4, "minute": 40, "second": 21}
